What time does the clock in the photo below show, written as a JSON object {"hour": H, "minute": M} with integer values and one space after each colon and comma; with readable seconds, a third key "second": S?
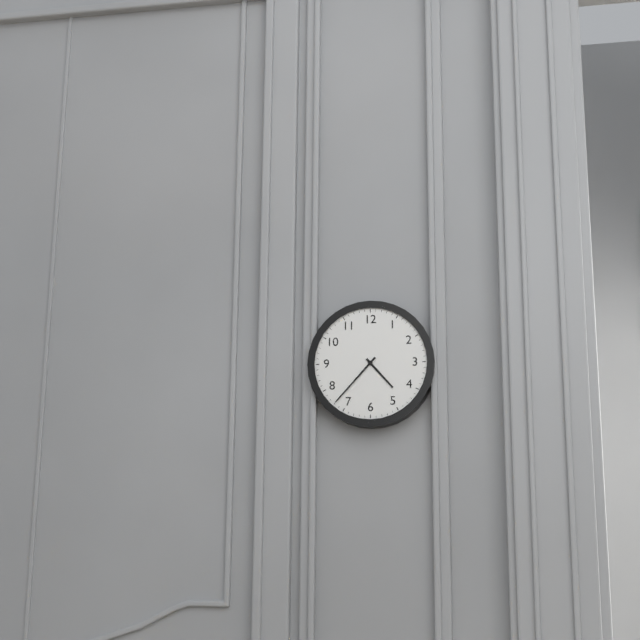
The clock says {"hour": 4, "minute": 37}
